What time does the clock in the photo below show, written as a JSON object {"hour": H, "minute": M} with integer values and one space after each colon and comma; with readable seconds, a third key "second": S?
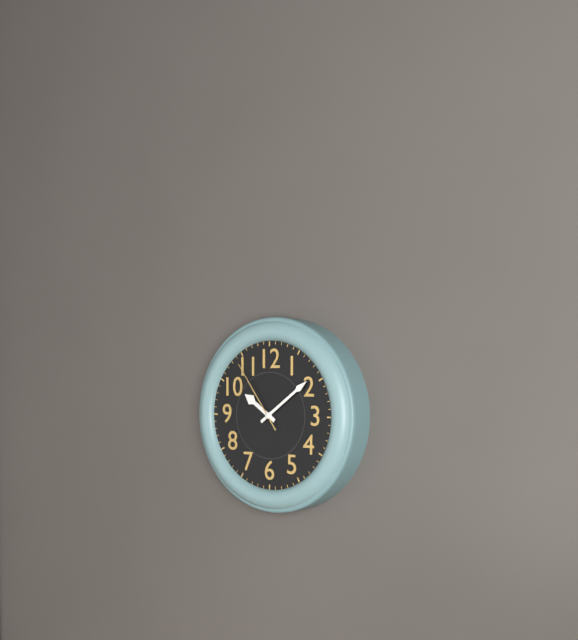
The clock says {"hour": 10, "minute": 9, "second": 54}
